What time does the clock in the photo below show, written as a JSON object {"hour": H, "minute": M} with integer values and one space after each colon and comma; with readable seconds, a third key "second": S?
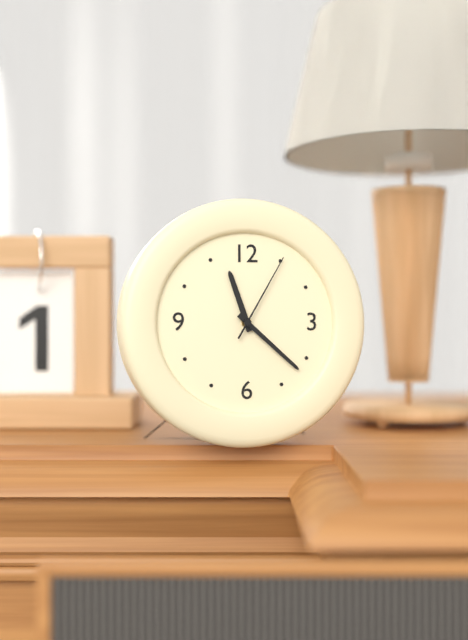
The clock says {"hour": 11, "minute": 22, "second": 5}
